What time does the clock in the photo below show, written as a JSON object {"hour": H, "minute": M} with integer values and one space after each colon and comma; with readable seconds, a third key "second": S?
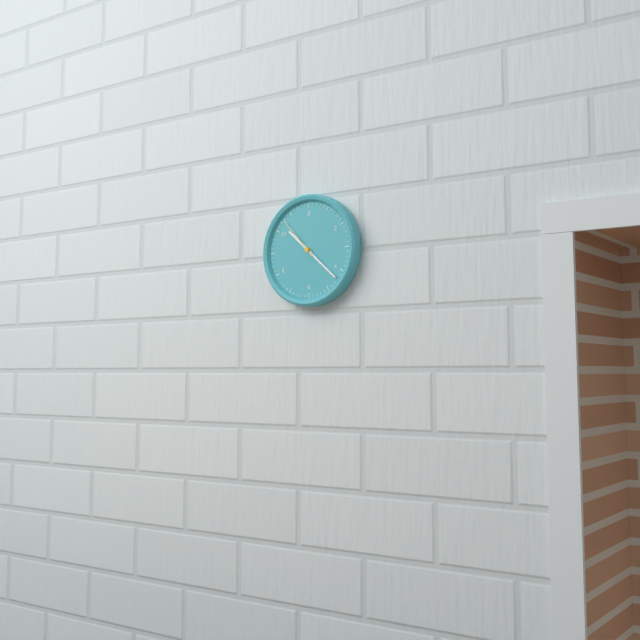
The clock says {"hour": 10, "minute": 22, "second": 53}
